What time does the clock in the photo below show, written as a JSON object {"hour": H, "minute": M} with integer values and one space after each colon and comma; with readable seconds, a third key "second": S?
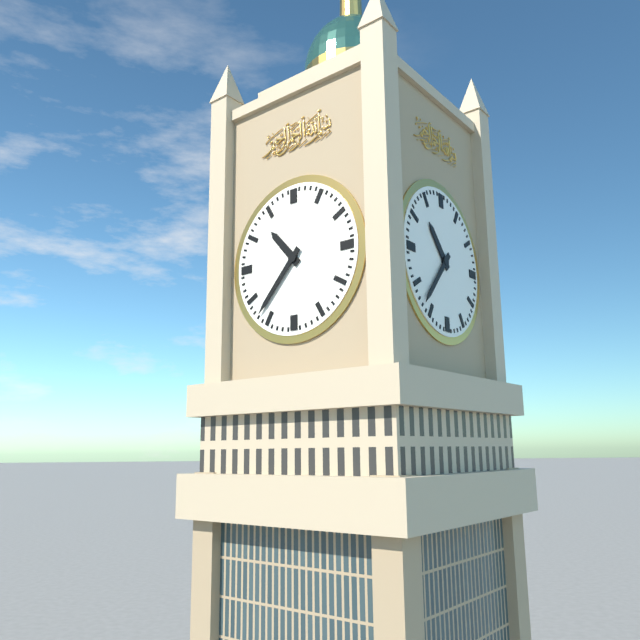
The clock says {"hour": 10, "minute": 37}
